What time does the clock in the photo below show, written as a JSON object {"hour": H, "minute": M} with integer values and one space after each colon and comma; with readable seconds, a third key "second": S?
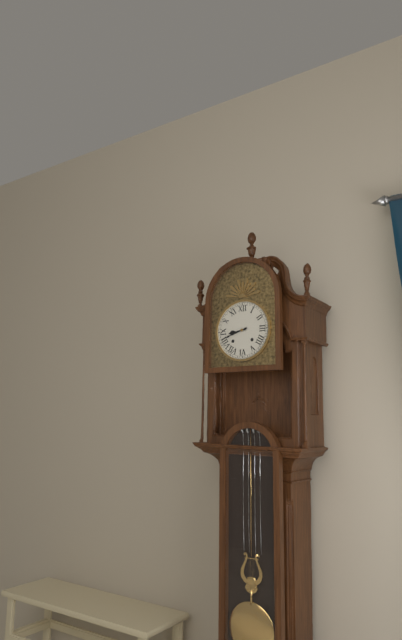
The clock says {"hour": 8, "minute": 42}
